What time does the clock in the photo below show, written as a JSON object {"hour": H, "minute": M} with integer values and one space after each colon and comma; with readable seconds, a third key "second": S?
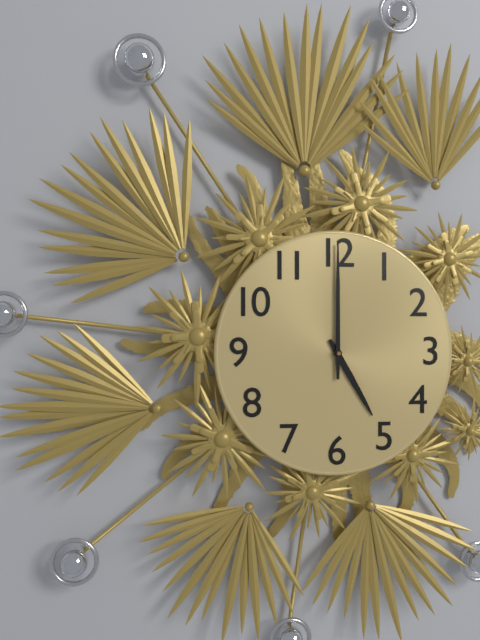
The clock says {"hour": 5, "minute": 0}
